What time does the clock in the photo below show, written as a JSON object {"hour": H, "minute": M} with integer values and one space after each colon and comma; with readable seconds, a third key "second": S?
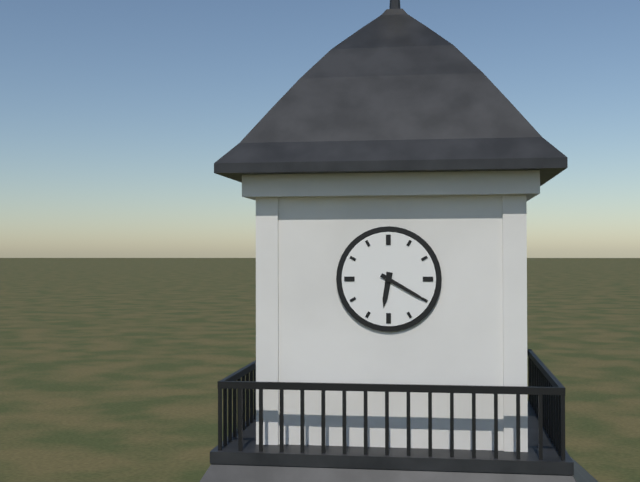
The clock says {"hour": 6, "minute": 20}
